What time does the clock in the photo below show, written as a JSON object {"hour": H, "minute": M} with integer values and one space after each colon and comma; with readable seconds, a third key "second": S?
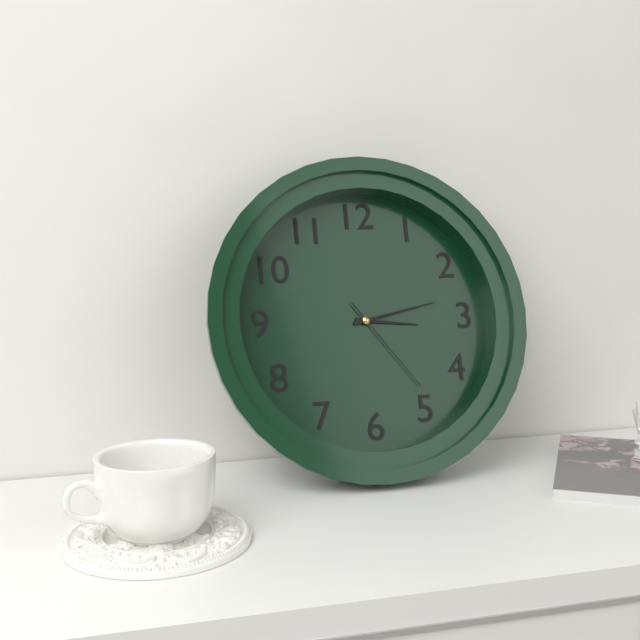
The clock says {"hour": 3, "minute": 13, "second": 24}
